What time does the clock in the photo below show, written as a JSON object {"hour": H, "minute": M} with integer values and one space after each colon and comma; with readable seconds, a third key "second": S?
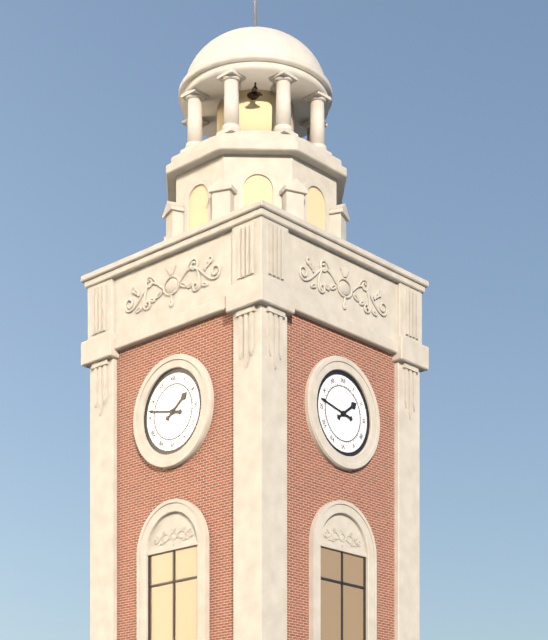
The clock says {"hour": 1, "minute": 47}
